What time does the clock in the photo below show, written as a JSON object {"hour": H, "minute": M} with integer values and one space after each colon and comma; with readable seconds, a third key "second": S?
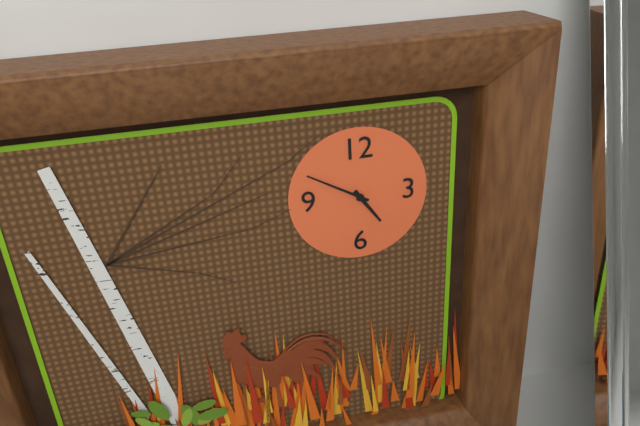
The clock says {"hour": 4, "minute": 50}
